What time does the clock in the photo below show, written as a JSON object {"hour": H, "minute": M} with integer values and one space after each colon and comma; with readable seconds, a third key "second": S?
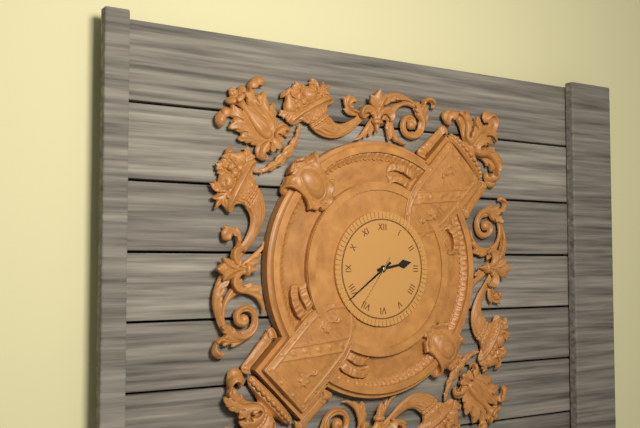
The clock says {"hour": 2, "minute": 39, "second": 36}
